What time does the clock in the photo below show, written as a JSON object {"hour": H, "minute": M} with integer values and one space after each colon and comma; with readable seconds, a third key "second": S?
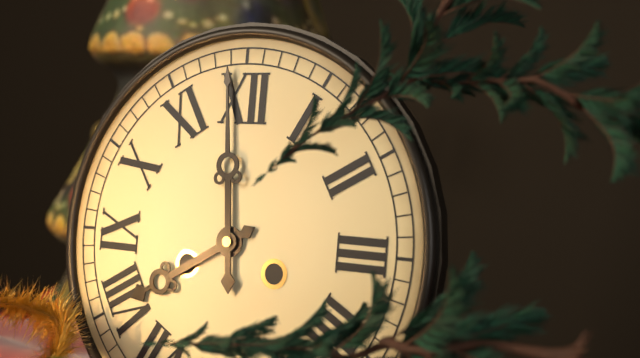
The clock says {"hour": 7, "minute": 59}
